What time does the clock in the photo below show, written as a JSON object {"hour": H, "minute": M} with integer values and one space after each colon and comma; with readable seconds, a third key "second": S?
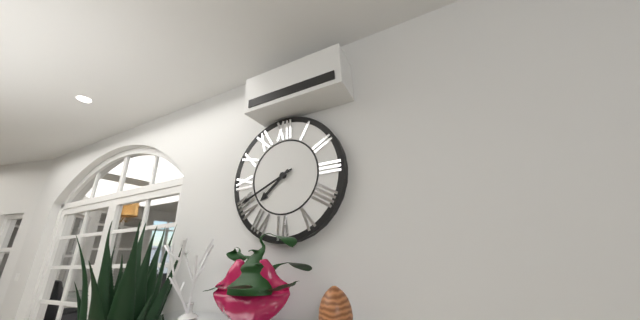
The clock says {"hour": 7, "minute": 41}
